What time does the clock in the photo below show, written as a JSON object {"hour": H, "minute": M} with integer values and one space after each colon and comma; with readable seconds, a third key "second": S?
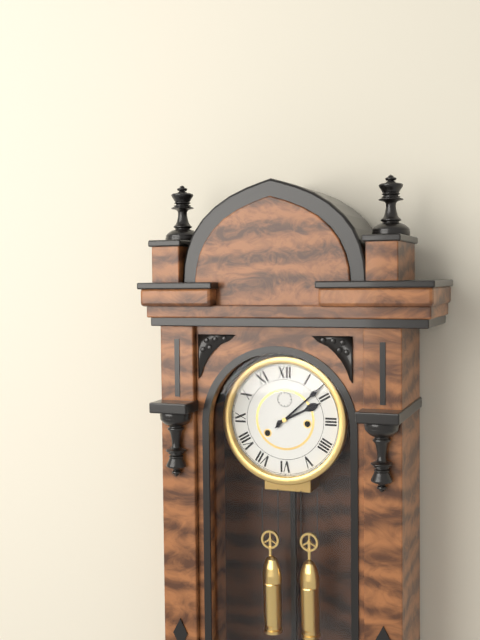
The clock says {"hour": 2, "minute": 8}
